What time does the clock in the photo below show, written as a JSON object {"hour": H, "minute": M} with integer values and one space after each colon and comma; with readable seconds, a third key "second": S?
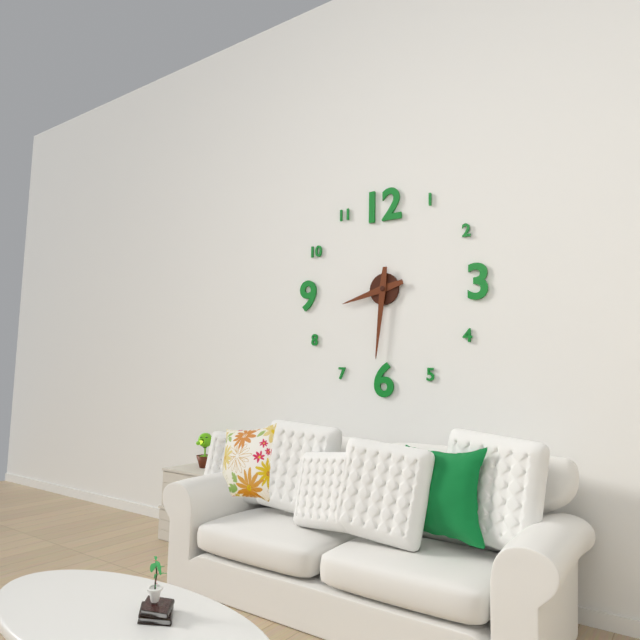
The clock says {"hour": 8, "minute": 31}
